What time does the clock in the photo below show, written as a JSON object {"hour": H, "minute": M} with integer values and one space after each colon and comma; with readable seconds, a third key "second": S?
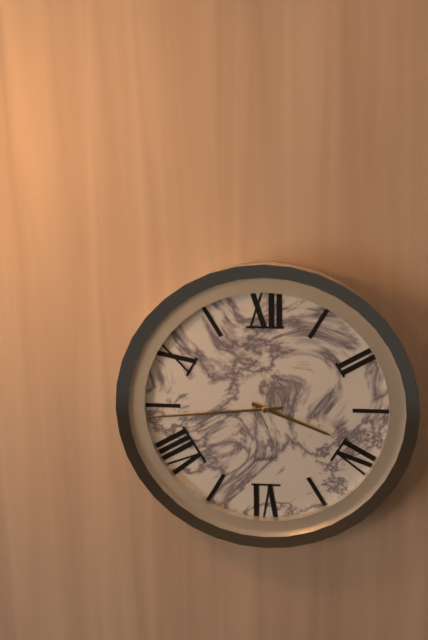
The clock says {"hour": 3, "minute": 44}
